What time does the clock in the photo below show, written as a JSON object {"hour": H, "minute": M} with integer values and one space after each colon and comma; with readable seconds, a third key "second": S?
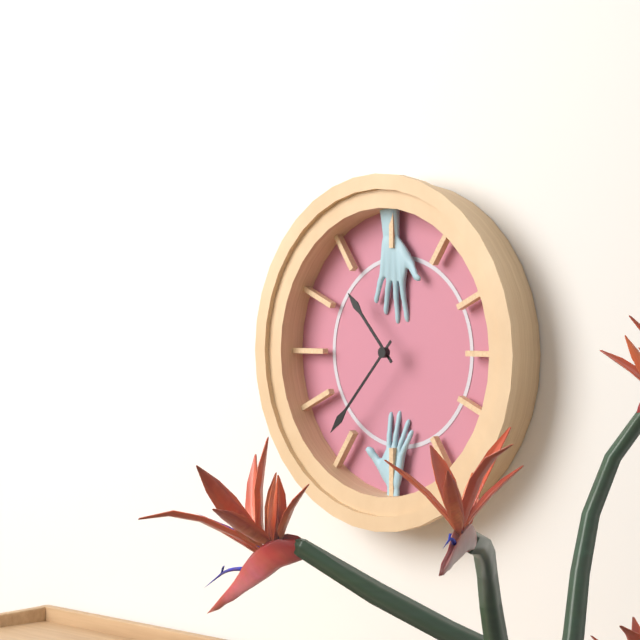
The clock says {"hour": 10, "minute": 37}
